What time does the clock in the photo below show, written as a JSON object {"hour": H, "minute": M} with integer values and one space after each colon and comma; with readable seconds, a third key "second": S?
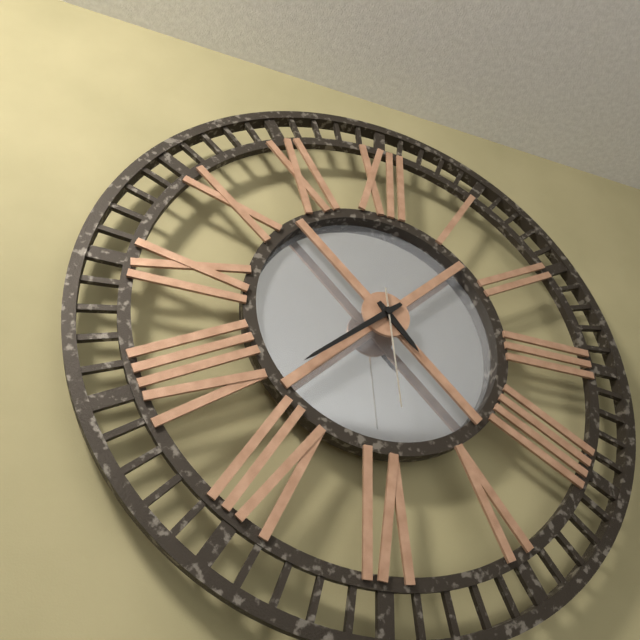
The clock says {"hour": 4, "minute": 38, "second": 29}
